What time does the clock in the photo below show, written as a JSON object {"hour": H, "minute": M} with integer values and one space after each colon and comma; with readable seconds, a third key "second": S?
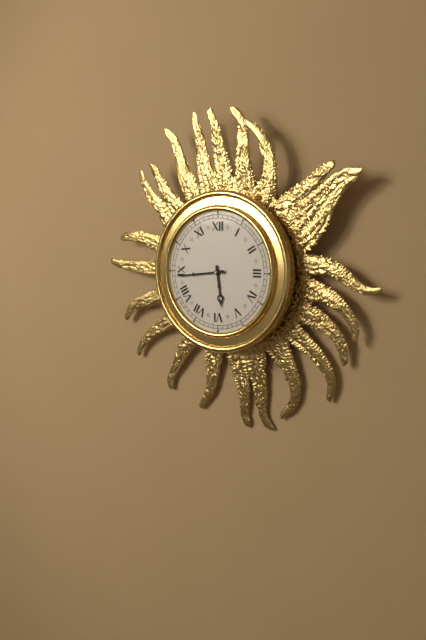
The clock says {"hour": 5, "minute": 44}
